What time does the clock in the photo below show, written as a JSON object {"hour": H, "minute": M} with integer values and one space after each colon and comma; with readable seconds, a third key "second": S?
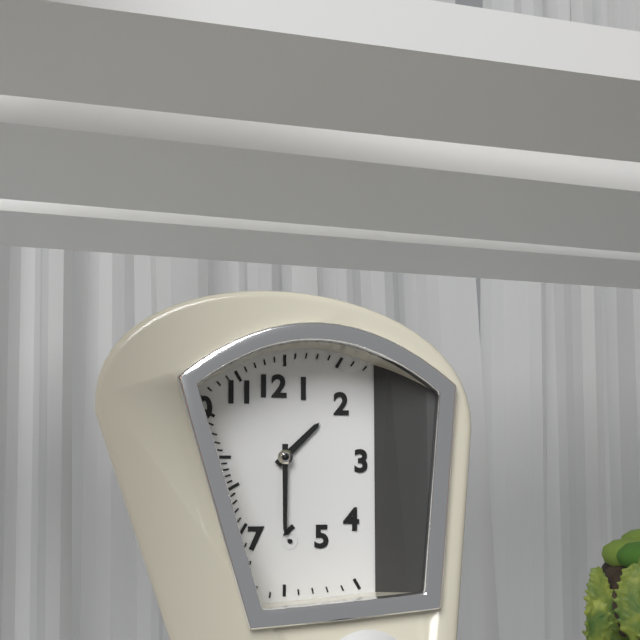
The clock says {"hour": 1, "minute": 30}
